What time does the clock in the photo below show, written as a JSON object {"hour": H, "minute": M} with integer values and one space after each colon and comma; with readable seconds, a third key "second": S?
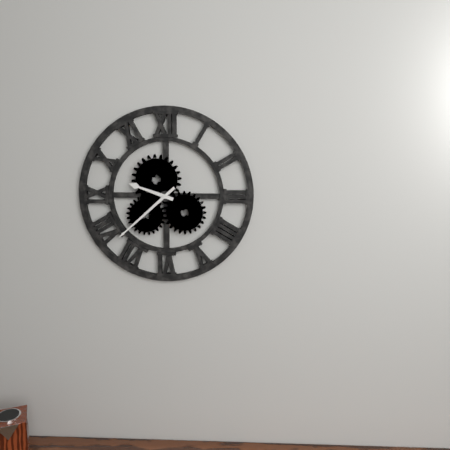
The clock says {"hour": 9, "minute": 38}
